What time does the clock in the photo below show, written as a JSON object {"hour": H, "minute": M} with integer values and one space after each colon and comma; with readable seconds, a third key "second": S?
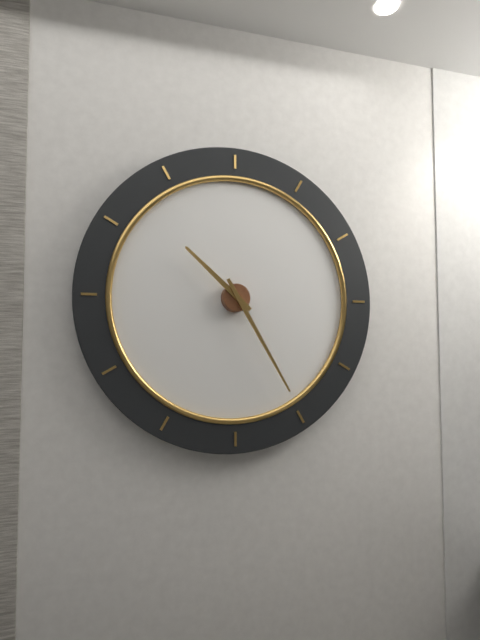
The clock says {"hour": 10, "minute": 25}
